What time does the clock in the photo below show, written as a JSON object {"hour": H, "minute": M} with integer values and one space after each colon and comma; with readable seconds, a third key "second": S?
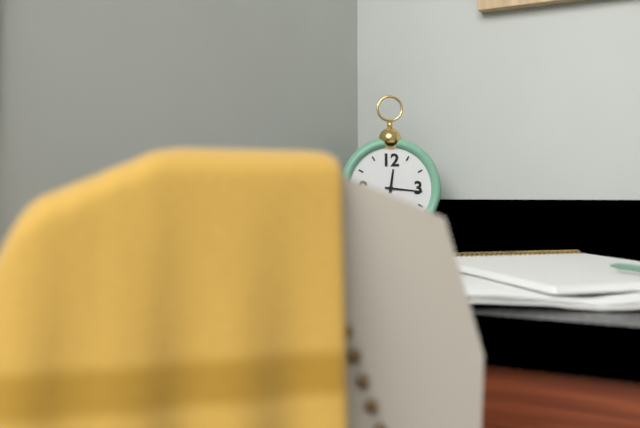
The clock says {"hour": 12, "minute": 16}
